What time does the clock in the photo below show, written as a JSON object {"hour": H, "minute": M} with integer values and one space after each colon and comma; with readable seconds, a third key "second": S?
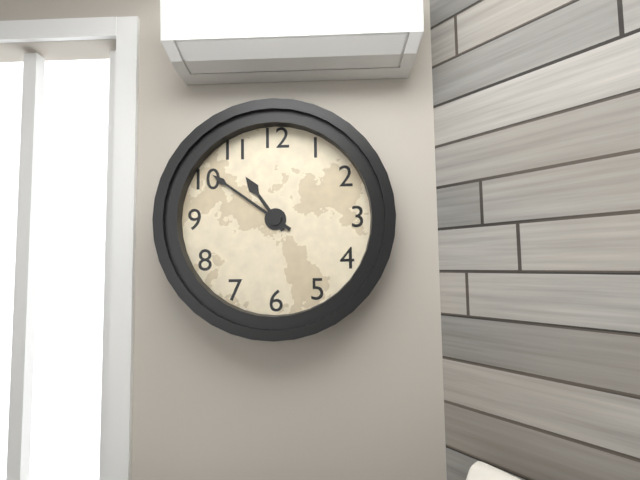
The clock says {"hour": 10, "minute": 51}
